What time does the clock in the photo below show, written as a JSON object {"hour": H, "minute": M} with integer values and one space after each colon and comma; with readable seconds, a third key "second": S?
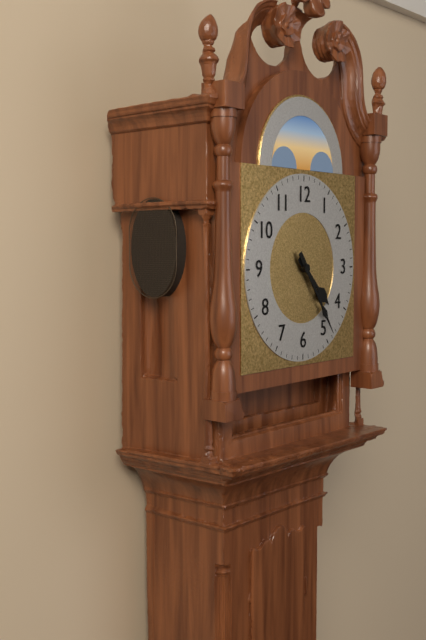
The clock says {"hour": 4, "minute": 24}
